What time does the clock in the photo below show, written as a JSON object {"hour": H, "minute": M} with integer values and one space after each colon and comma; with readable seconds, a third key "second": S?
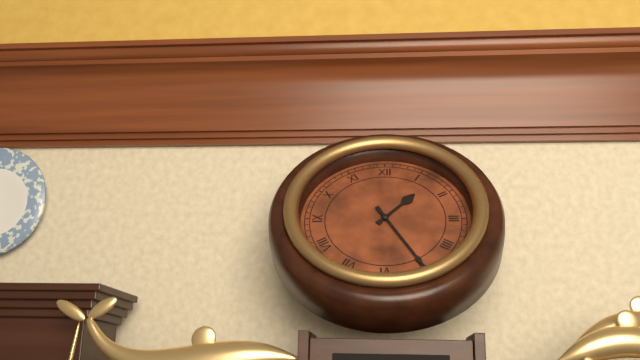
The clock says {"hour": 1, "minute": 25}
